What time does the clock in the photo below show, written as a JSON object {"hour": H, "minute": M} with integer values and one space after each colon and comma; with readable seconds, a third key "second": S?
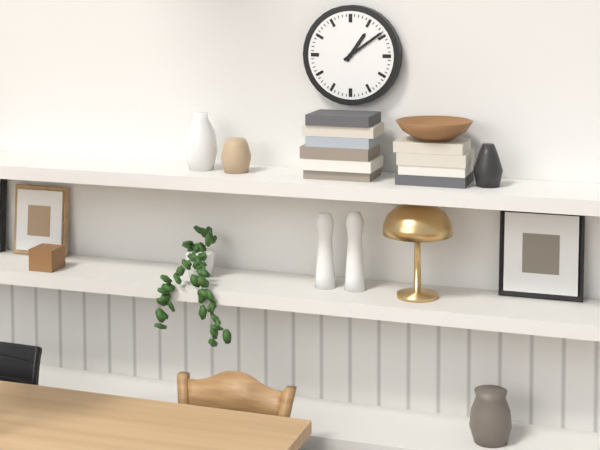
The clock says {"hour": 1, "minute": 9}
